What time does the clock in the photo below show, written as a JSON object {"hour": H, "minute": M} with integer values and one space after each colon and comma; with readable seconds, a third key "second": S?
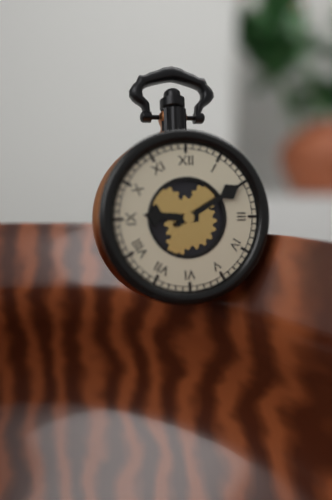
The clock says {"hour": 9, "minute": 10}
